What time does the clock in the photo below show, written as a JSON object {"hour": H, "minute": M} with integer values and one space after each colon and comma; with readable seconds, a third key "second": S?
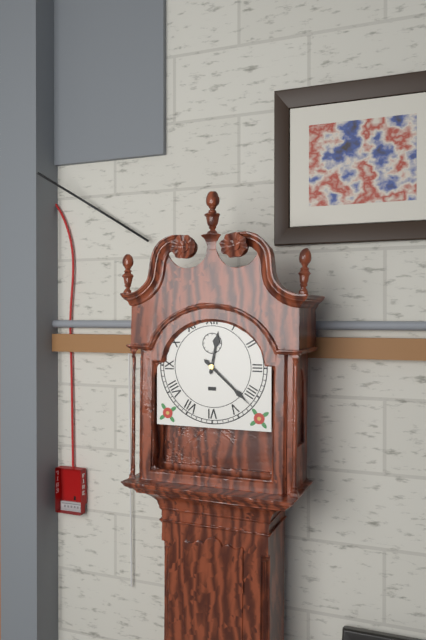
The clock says {"hour": 12, "minute": 22}
